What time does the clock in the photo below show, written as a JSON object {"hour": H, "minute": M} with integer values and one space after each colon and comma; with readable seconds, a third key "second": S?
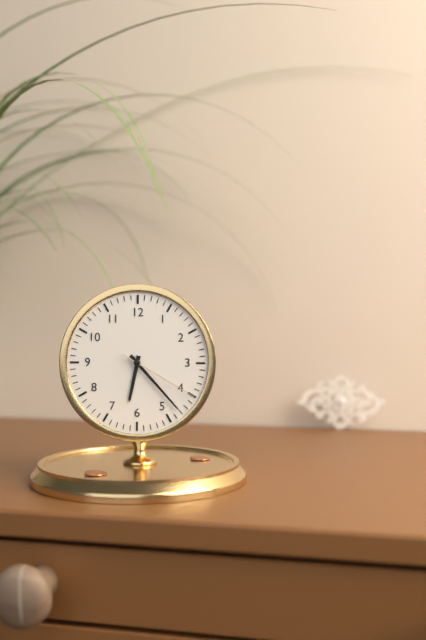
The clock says {"hour": 6, "minute": 23, "second": 20}
